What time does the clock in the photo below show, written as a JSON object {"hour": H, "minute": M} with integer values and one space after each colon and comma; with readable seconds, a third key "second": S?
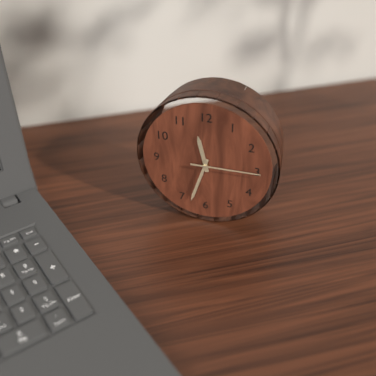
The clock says {"hour": 11, "minute": 33, "second": 15}
